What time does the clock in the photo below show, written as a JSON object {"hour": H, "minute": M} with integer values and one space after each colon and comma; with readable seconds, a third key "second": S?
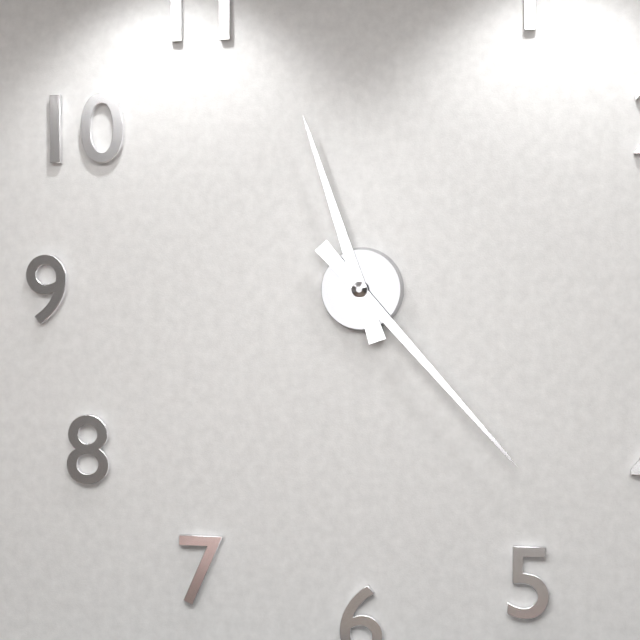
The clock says {"hour": 11, "minute": 23}
